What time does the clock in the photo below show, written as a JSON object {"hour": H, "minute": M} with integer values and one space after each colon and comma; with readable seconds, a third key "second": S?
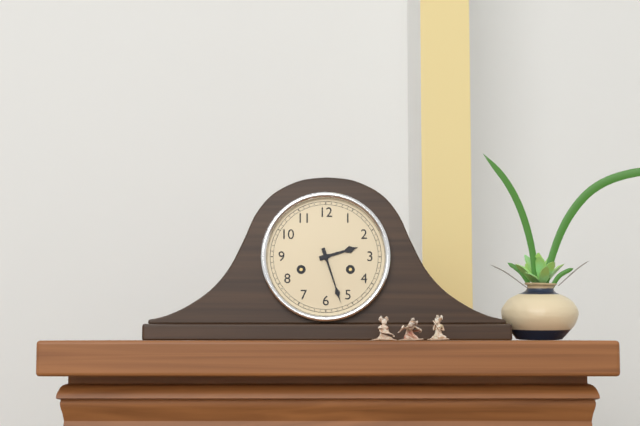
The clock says {"hour": 2, "minute": 27}
